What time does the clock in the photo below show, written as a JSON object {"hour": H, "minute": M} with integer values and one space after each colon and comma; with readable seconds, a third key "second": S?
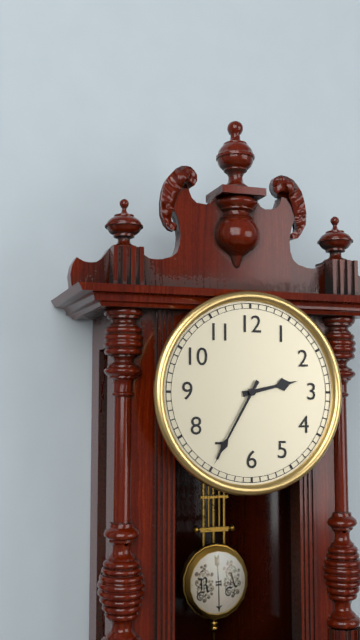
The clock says {"hour": 2, "minute": 35}
